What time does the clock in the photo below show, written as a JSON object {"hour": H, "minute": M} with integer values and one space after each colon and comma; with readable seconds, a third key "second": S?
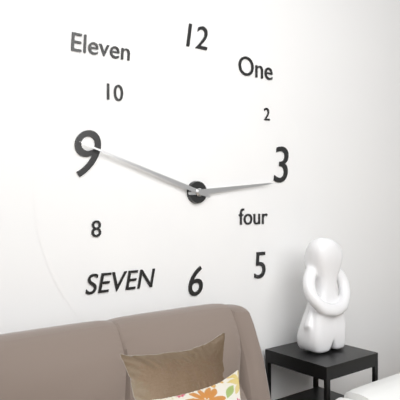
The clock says {"hour": 2, "minute": 48}
